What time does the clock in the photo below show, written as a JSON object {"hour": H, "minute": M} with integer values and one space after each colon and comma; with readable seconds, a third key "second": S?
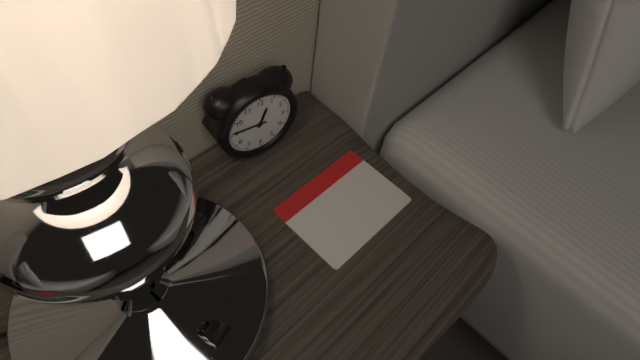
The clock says {"hour": 12, "minute": 46}
